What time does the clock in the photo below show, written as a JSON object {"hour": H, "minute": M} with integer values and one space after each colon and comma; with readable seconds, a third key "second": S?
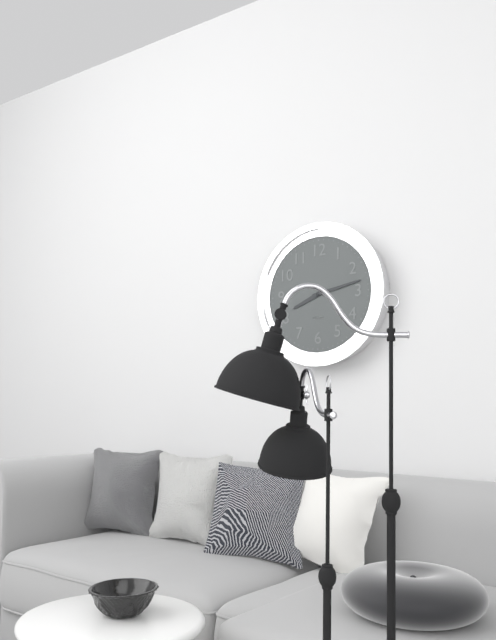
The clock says {"hour": 8, "minute": 13}
